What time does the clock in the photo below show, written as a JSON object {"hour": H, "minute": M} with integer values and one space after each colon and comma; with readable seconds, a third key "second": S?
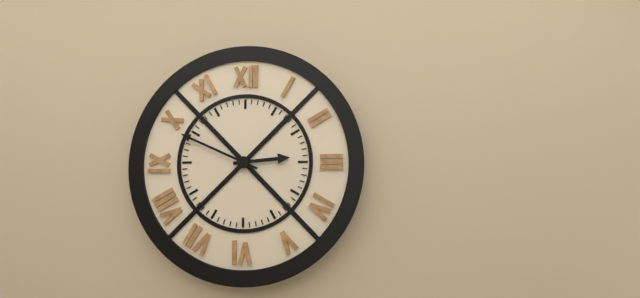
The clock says {"hour": 2, "minute": 49}
